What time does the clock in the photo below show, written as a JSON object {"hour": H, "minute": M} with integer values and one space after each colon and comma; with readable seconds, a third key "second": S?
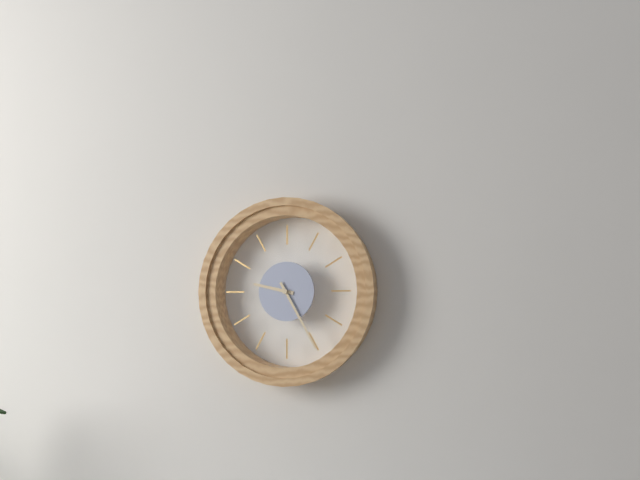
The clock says {"hour": 9, "minute": 25}
